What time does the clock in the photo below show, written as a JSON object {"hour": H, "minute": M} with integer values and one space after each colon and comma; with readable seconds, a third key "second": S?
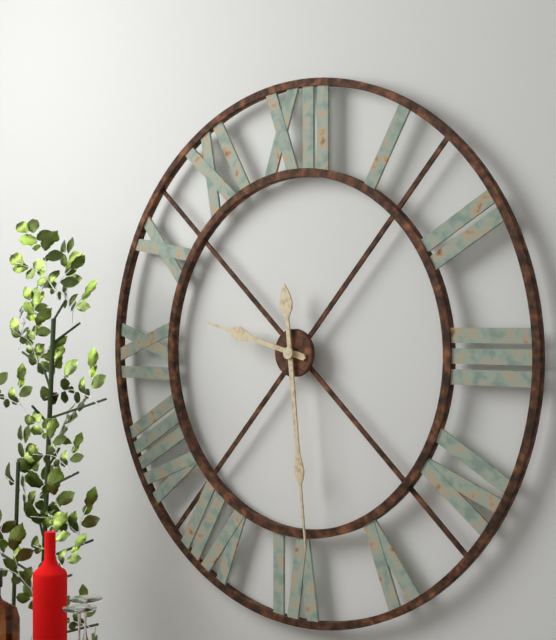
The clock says {"hour": 9, "minute": 29}
